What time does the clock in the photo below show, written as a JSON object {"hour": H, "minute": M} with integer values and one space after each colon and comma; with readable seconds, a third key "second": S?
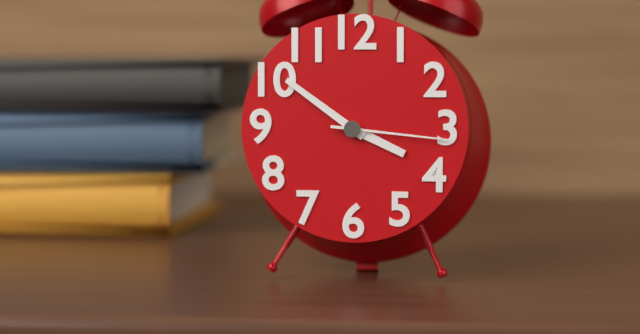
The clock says {"hour": 3, "minute": 51, "second": 16}
